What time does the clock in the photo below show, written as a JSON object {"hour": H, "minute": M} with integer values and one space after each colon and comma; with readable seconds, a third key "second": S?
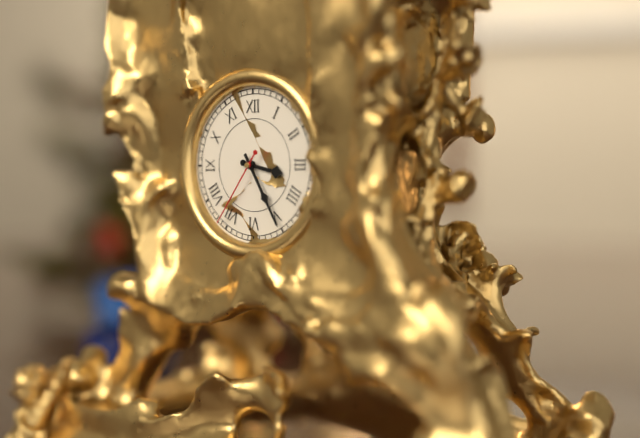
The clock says {"hour": 3, "minute": 25, "second": 36}
